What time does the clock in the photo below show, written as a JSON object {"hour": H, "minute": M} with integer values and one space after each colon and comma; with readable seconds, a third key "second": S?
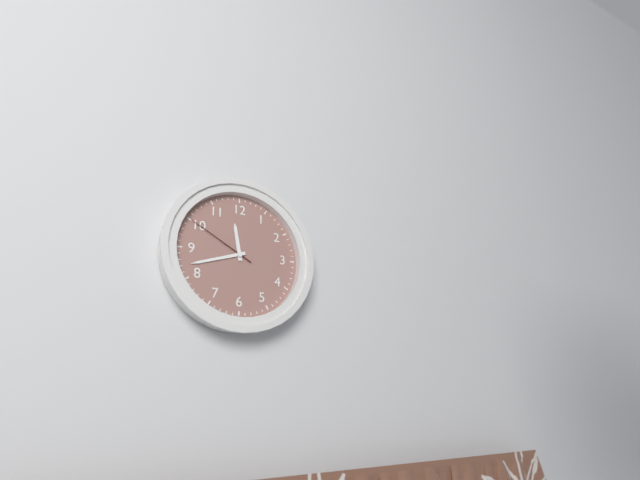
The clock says {"hour": 11, "minute": 42, "second": 50}
